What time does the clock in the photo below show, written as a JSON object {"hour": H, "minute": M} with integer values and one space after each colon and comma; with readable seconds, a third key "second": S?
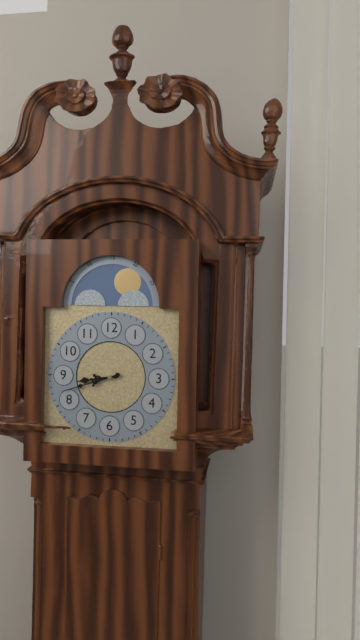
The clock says {"hour": 8, "minute": 42}
